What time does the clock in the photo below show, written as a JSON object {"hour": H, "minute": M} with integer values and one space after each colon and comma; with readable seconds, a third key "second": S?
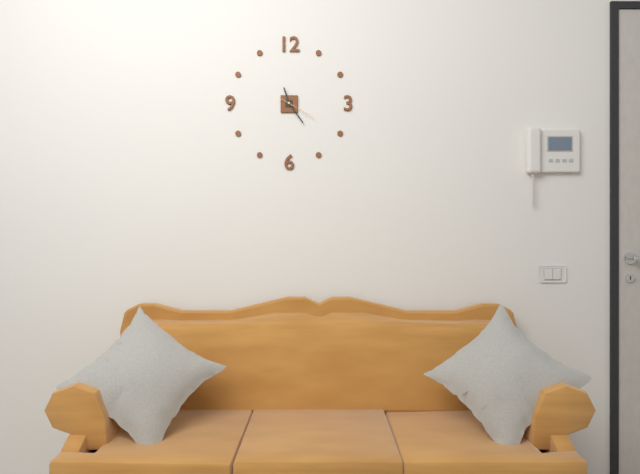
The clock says {"hour": 11, "minute": 24}
